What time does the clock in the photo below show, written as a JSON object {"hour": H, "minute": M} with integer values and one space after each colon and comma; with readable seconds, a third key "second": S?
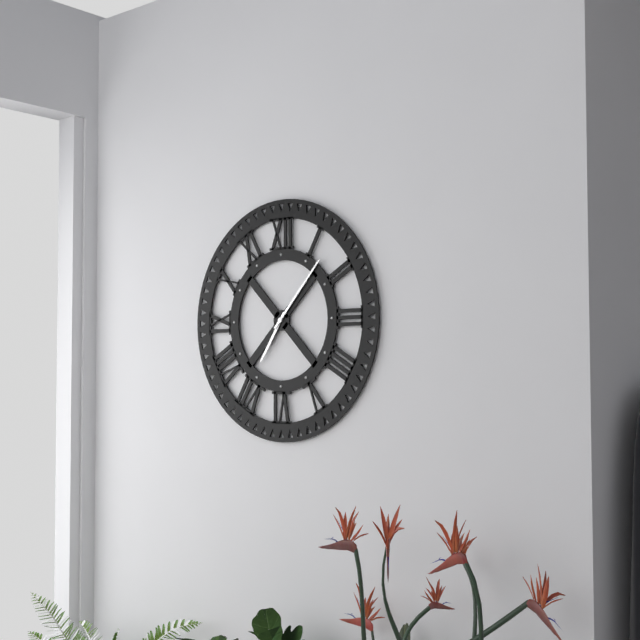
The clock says {"hour": 7, "minute": 7}
